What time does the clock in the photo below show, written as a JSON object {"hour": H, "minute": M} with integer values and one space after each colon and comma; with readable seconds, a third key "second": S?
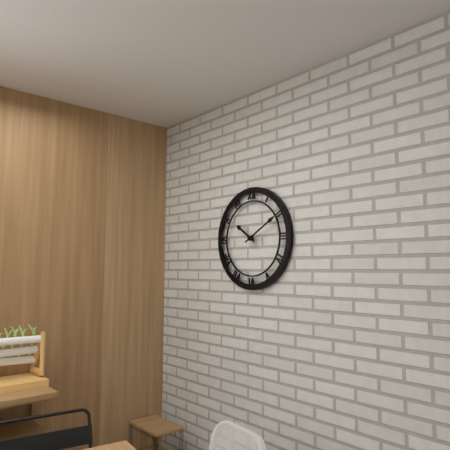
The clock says {"hour": 10, "minute": 10}
